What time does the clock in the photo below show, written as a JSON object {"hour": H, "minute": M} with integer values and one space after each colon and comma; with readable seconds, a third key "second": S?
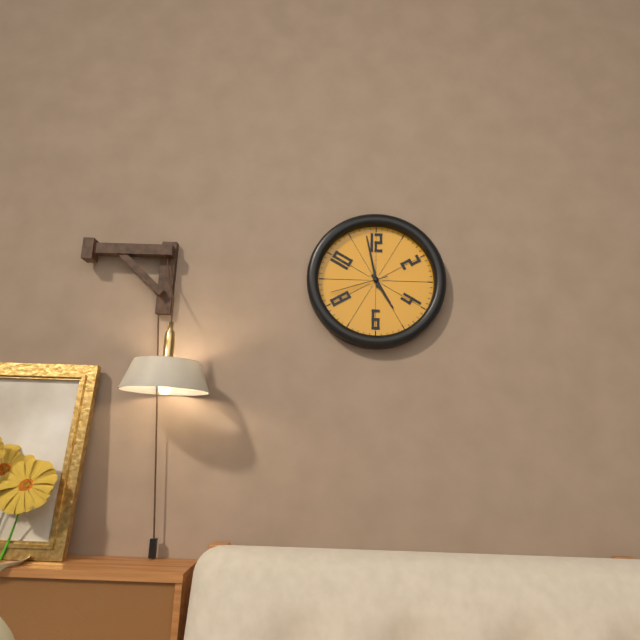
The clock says {"hour": 4, "minute": 58, "second": 42}
